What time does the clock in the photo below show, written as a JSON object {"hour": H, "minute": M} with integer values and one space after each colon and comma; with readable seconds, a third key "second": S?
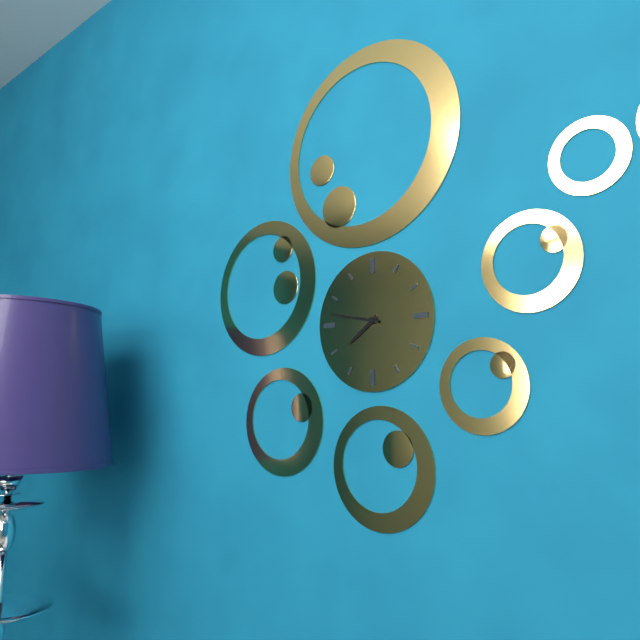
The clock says {"hour": 7, "minute": 47}
